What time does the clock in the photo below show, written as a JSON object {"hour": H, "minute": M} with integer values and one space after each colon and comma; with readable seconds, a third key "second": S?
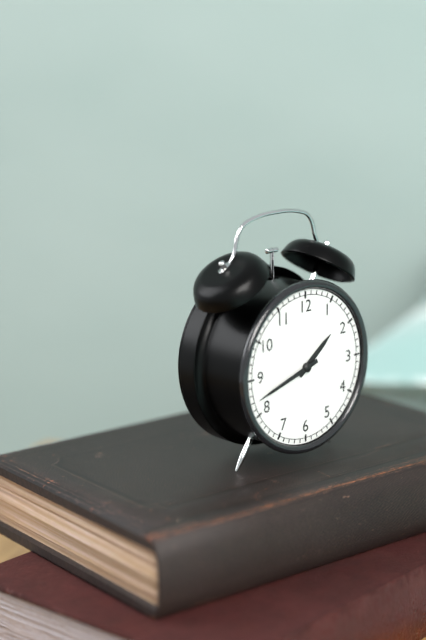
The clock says {"hour": 1, "minute": 42}
